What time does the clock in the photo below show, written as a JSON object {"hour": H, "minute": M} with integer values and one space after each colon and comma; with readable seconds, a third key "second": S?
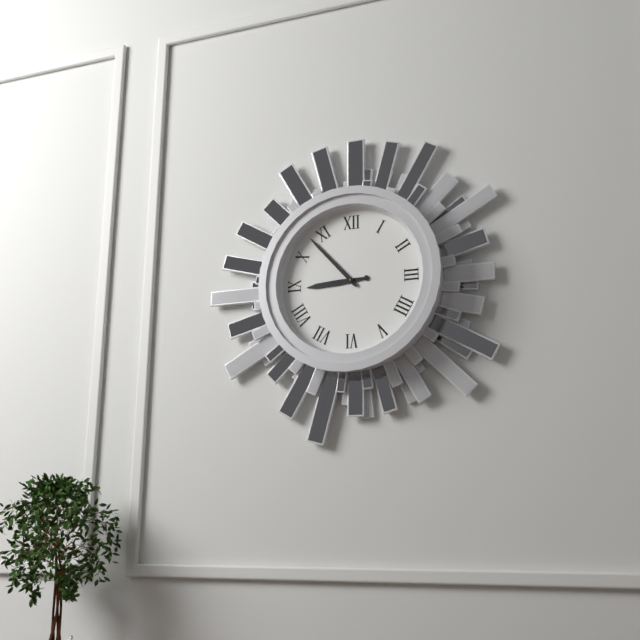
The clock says {"hour": 8, "minute": 53}
